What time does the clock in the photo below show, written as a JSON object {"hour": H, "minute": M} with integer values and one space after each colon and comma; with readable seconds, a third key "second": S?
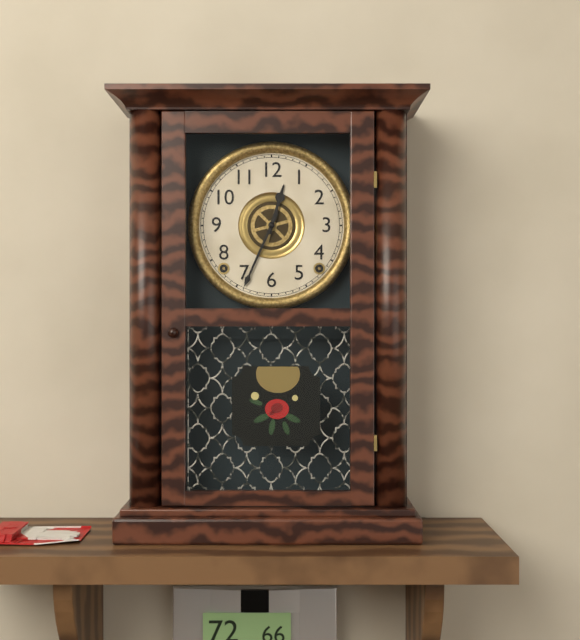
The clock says {"hour": 12, "minute": 34}
